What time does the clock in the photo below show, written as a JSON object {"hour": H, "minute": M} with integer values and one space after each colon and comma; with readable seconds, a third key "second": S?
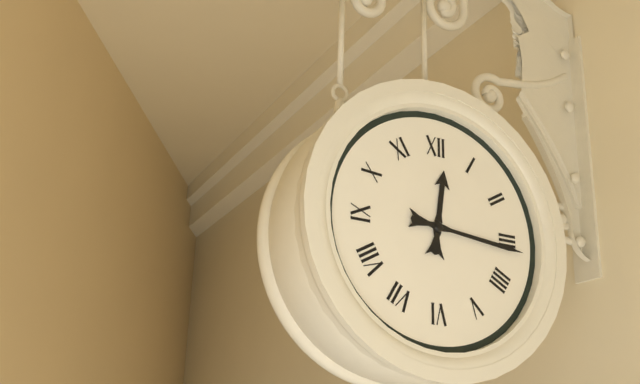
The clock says {"hour": 12, "minute": 16}
